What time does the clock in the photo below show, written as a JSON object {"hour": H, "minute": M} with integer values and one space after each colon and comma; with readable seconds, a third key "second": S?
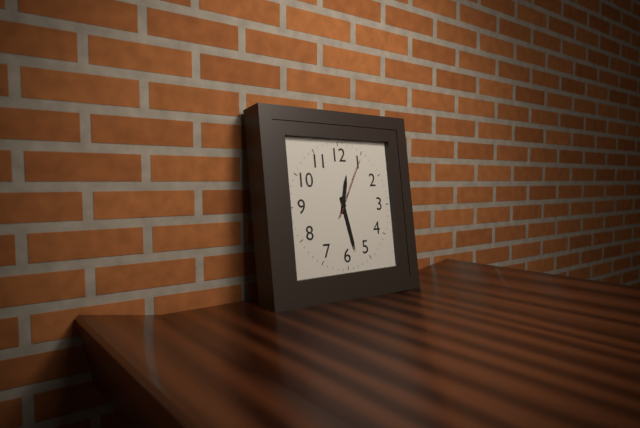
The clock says {"hour": 12, "minute": 28, "second": 5}
